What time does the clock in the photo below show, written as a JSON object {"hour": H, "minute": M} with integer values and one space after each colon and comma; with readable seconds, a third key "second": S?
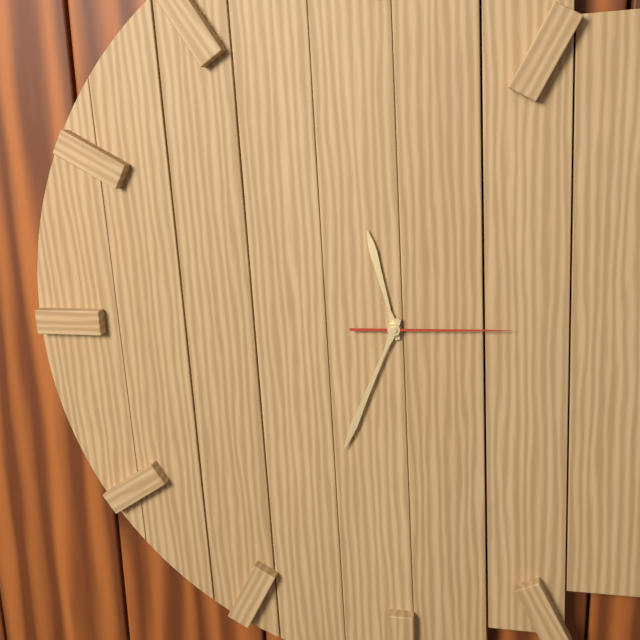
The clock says {"hour": 11, "minute": 34, "second": 15}
